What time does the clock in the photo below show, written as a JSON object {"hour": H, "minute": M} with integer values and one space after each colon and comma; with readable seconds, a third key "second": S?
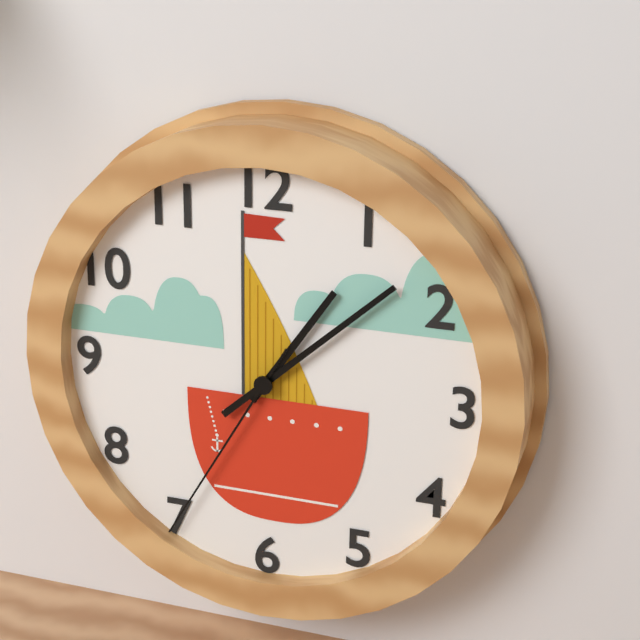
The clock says {"hour": 1, "minute": 8, "second": 35}
